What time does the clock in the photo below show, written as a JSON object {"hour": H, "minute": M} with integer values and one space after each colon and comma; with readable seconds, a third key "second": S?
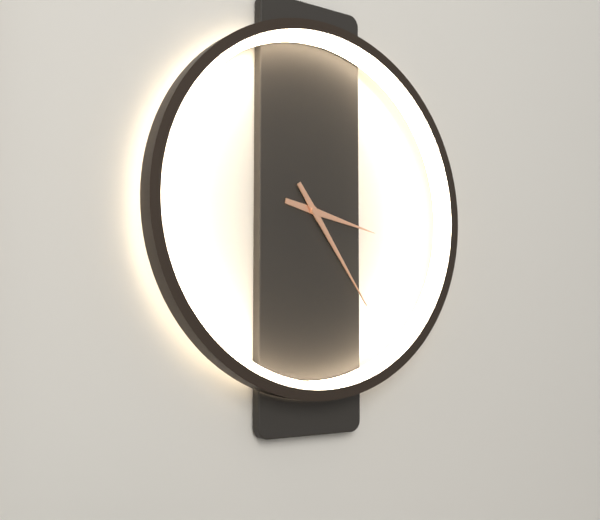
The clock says {"hour": 3, "minute": 24}
